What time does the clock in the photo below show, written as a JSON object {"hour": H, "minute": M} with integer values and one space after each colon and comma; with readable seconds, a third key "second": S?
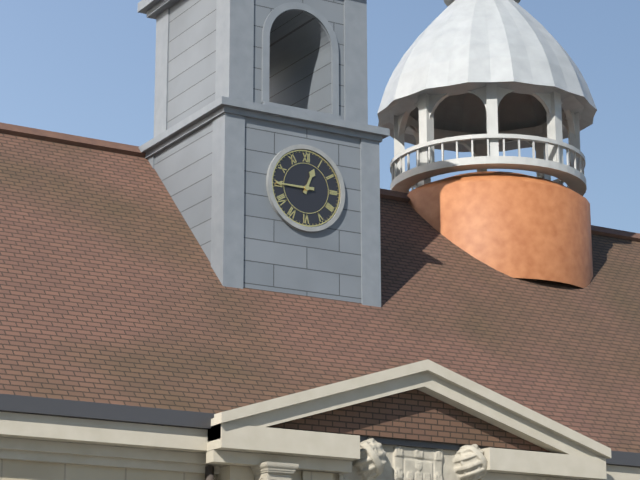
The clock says {"hour": 12, "minute": 45}
